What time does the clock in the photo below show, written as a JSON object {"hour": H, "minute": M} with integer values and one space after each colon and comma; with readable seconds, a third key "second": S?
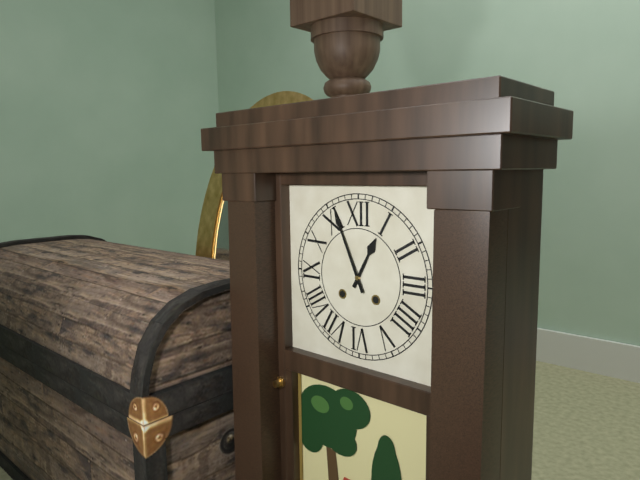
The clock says {"hour": 12, "minute": 56}
